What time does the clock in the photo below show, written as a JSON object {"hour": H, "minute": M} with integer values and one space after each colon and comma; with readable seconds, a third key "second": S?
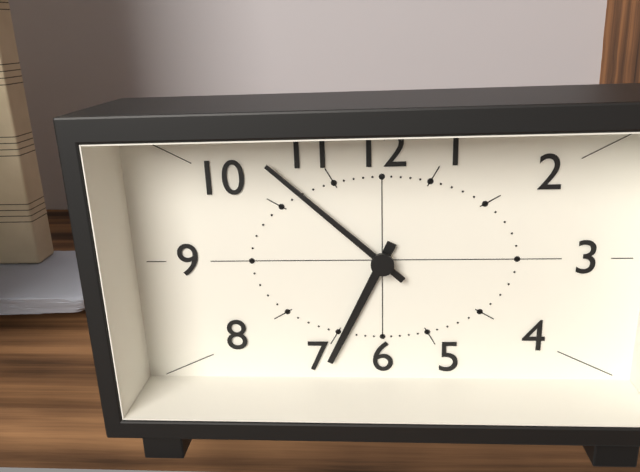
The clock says {"hour": 6, "minute": 52}
